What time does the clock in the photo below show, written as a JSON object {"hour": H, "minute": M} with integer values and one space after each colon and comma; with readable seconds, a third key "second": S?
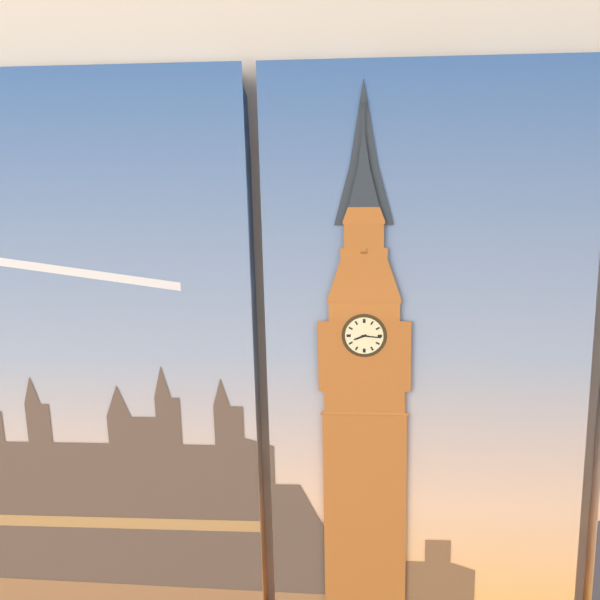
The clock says {"hour": 8, "minute": 16}
